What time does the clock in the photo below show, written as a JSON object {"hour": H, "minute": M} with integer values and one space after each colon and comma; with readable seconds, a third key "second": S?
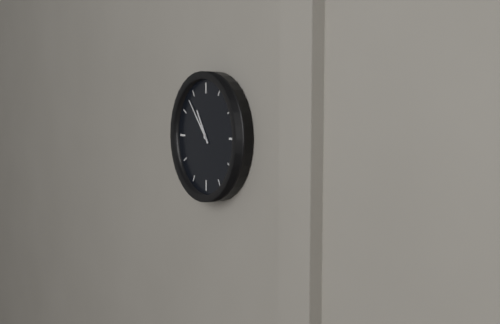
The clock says {"hour": 10, "minute": 53}
